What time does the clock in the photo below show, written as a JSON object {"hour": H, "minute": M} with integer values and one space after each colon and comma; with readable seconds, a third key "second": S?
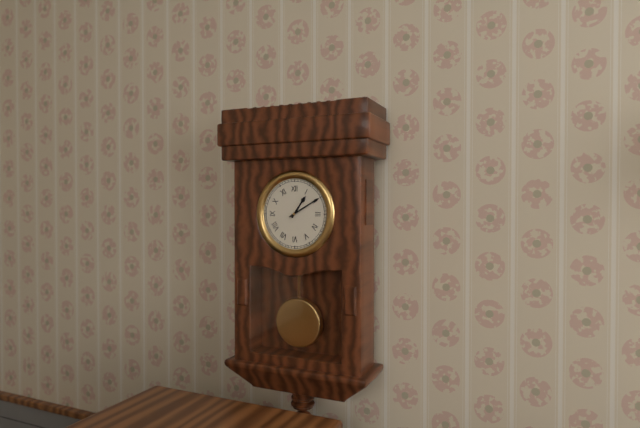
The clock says {"hour": 1, "minute": 10}
